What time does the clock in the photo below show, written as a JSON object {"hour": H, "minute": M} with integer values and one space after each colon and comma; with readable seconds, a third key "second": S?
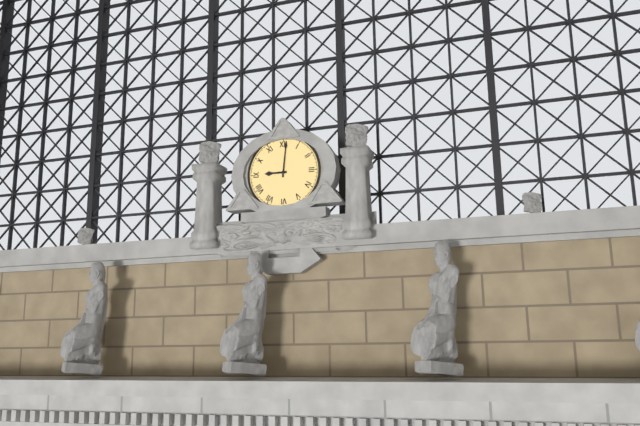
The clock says {"hour": 9, "minute": 1}
